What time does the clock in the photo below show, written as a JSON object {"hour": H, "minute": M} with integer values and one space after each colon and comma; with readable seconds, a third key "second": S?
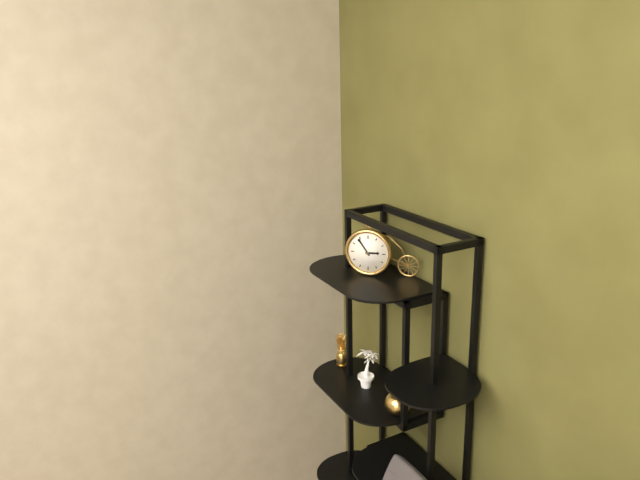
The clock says {"hour": 2, "minute": 54}
